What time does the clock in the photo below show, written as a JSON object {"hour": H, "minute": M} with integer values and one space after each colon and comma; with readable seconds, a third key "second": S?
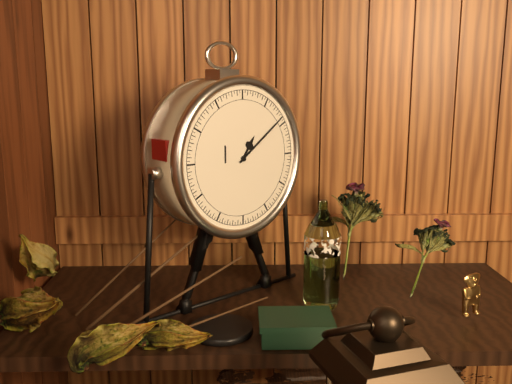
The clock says {"hour": 1, "minute": 9}
